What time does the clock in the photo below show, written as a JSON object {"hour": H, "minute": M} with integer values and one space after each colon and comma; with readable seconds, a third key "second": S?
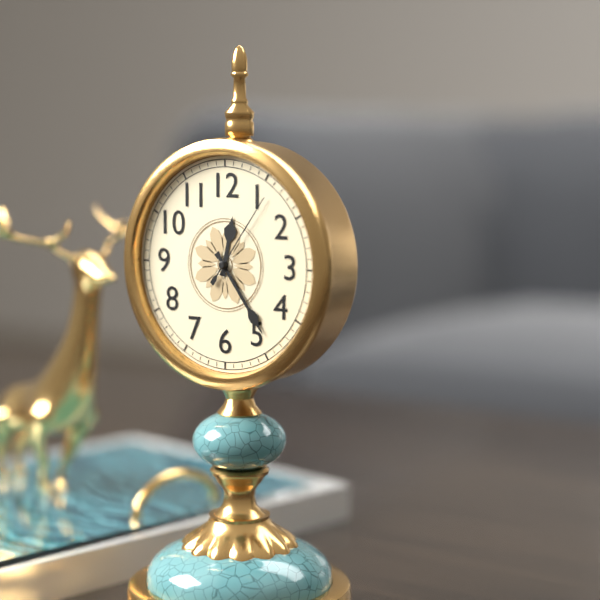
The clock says {"hour": 12, "minute": 24, "second": 6}
